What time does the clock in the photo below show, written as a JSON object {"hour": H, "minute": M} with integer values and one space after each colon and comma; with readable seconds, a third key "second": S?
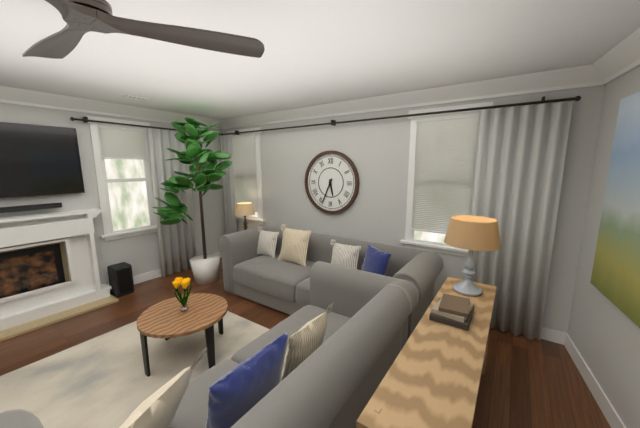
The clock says {"hour": 5, "minute": 34}
